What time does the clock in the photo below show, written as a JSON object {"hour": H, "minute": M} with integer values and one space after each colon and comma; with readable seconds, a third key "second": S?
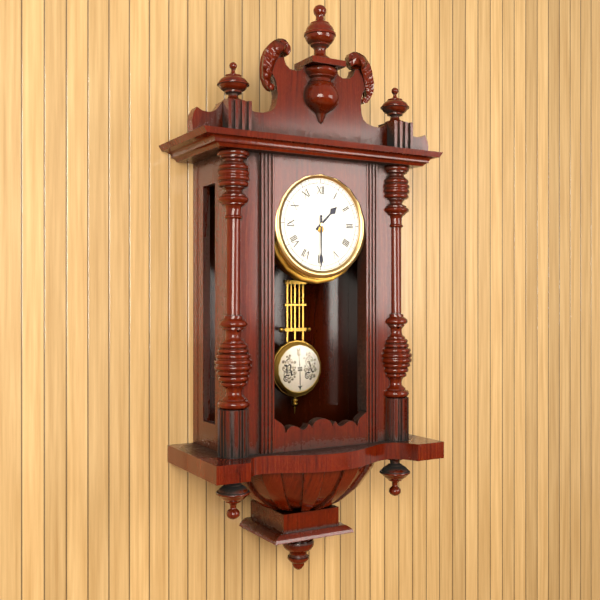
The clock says {"hour": 1, "minute": 30}
